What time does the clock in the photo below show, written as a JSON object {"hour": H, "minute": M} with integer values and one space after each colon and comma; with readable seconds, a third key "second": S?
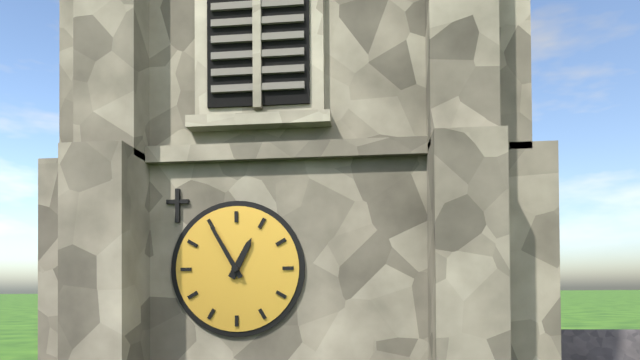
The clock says {"hour": 12, "minute": 55}
